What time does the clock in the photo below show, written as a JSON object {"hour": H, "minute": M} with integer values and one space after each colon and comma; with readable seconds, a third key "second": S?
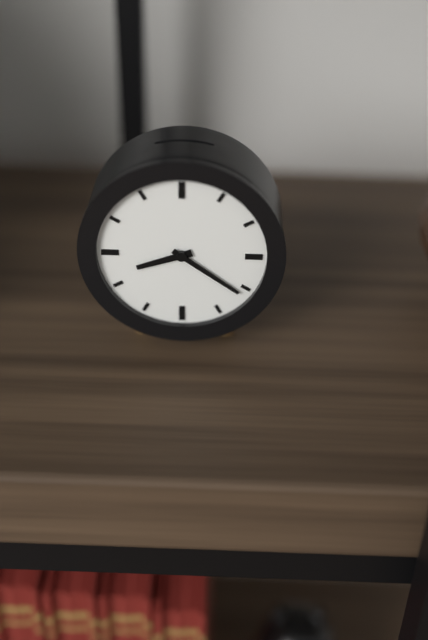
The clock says {"hour": 8, "minute": 21}
